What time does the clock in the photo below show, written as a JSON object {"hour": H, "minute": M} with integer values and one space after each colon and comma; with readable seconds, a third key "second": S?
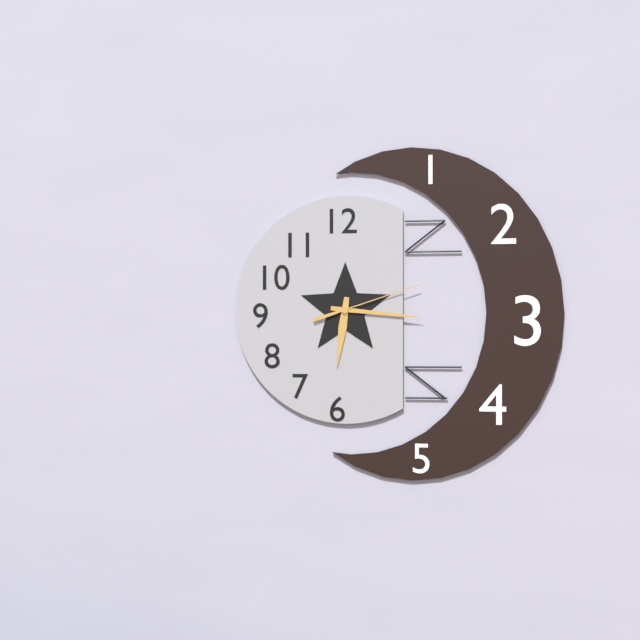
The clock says {"hour": 6, "minute": 16, "second": 12}
